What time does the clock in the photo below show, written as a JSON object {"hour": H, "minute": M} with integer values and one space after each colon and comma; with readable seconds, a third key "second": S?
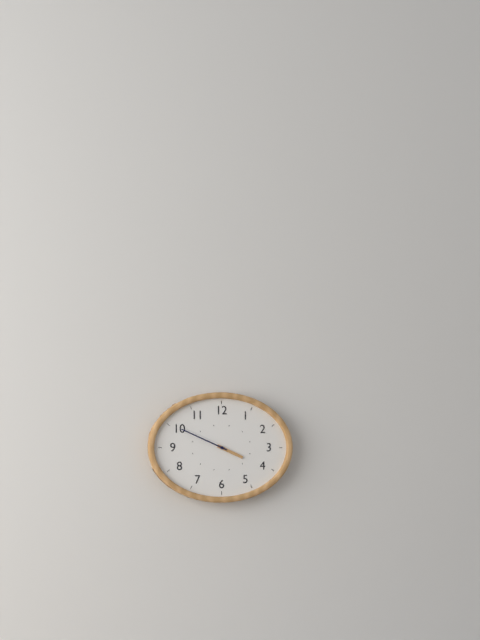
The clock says {"hour": 3, "minute": 49}
